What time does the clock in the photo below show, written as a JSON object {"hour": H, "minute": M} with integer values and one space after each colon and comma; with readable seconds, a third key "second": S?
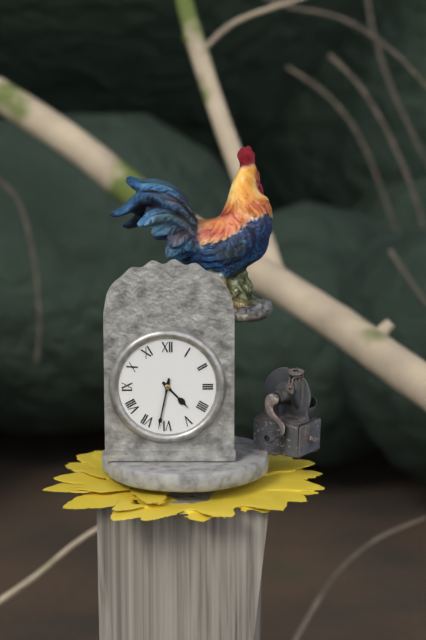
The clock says {"hour": 4, "minute": 32}
